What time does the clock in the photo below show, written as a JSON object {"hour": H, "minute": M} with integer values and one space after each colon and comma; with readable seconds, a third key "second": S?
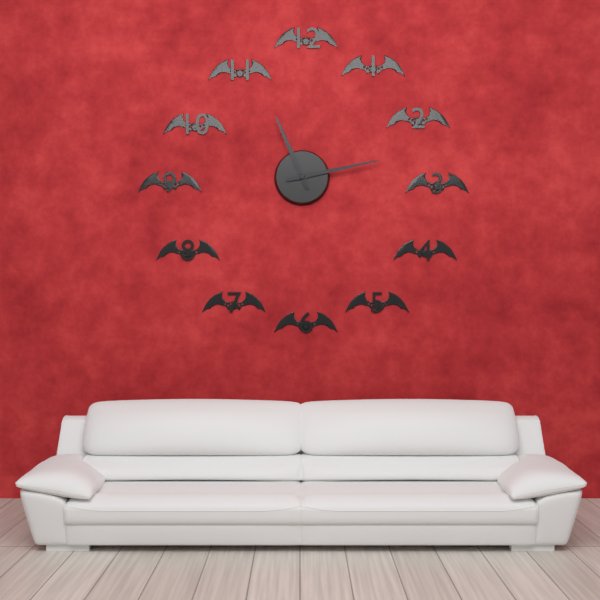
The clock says {"hour": 11, "minute": 13}
